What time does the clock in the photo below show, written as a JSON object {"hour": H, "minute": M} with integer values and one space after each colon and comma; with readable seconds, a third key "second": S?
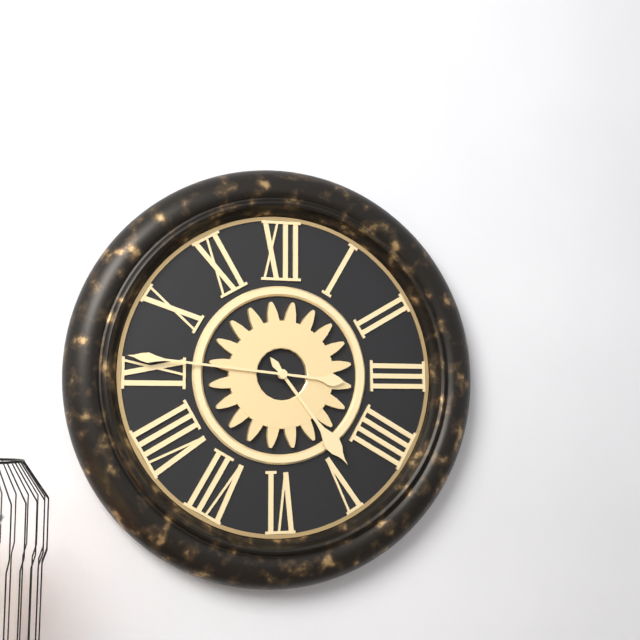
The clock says {"hour": 4, "minute": 46}
